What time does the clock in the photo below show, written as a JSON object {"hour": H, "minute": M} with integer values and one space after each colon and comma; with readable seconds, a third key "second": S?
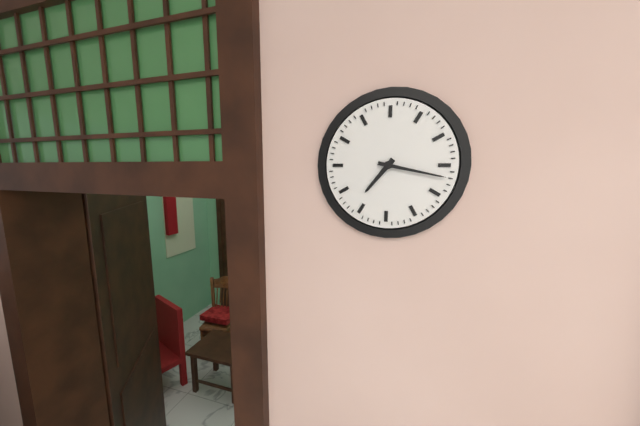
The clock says {"hour": 7, "minute": 17}
